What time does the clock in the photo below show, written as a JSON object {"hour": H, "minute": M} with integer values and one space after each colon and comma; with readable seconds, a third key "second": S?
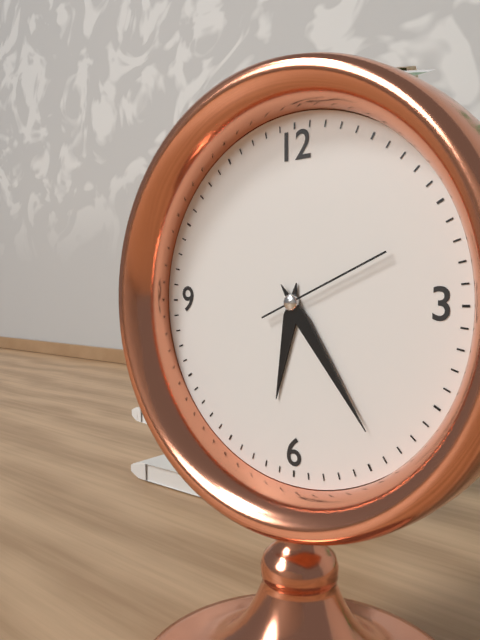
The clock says {"hour": 6, "minute": 24, "second": 11}
